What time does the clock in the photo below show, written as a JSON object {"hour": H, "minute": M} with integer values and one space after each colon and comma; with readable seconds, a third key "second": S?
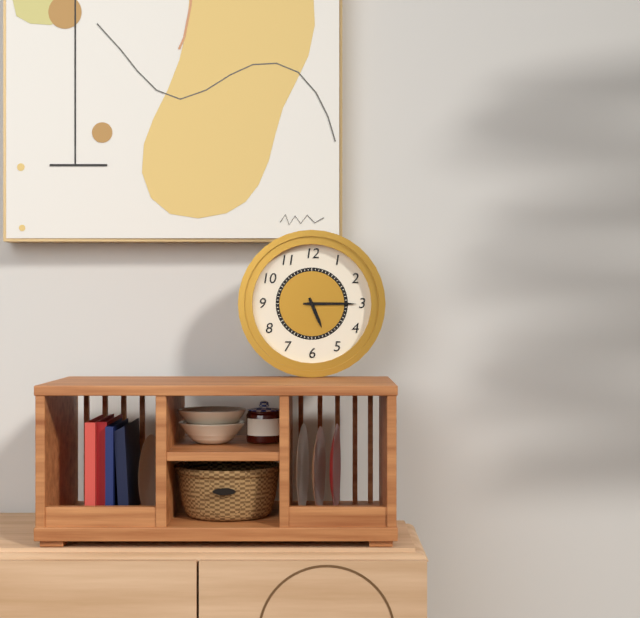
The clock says {"hour": 5, "minute": 15}
